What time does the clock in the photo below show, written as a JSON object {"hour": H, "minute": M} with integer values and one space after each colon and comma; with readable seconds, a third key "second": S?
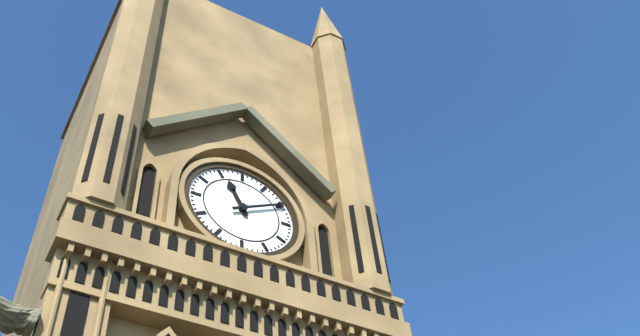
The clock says {"hour": 11, "minute": 10}
